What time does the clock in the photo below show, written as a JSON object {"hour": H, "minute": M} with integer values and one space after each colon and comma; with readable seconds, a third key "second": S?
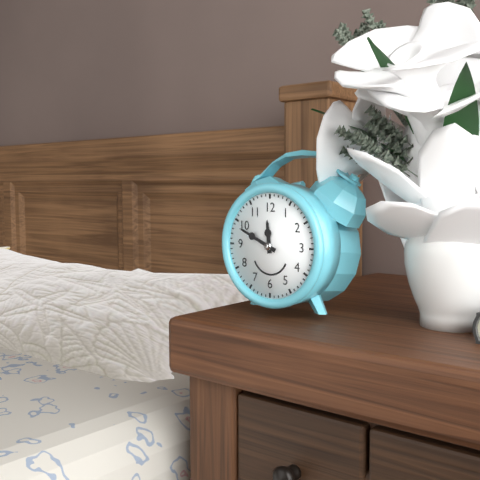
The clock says {"hour": 11, "minute": 49}
